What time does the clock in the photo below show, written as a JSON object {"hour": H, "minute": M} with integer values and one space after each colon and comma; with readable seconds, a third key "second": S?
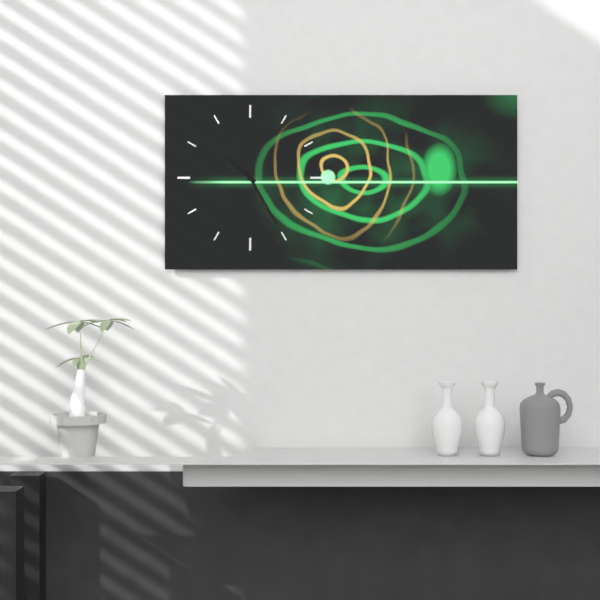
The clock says {"hour": 10, "minute": 25}
